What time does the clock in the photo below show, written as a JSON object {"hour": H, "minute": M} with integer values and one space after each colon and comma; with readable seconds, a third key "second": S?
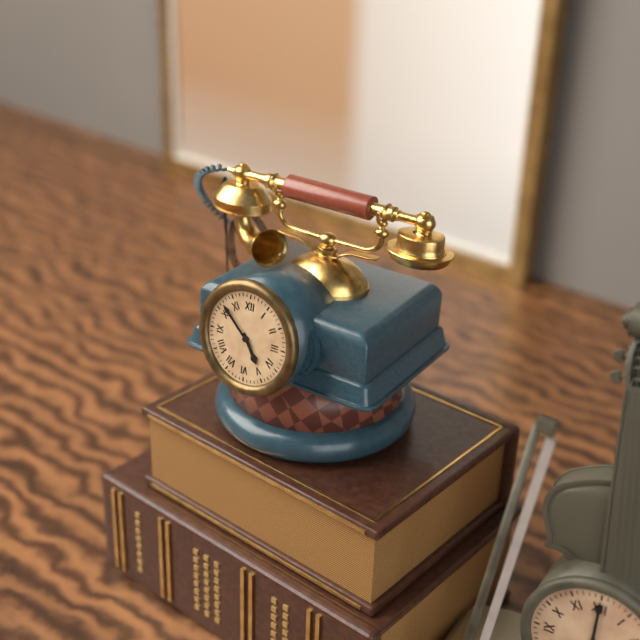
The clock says {"hour": 4, "minute": 52}
